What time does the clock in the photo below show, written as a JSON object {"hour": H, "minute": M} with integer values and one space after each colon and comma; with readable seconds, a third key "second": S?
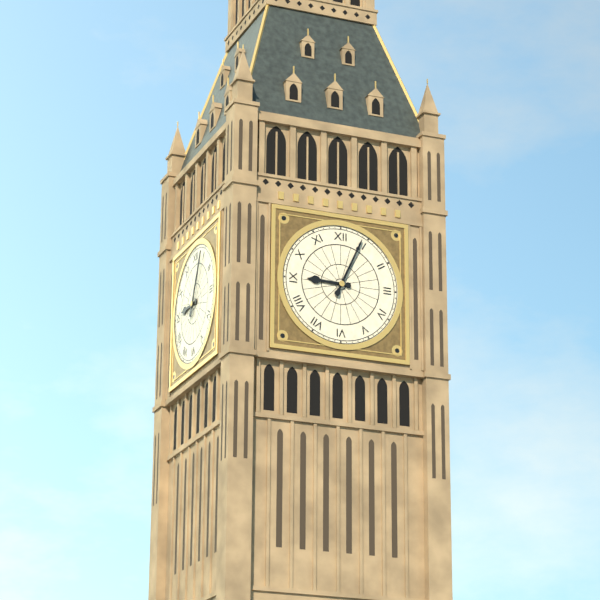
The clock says {"hour": 9, "minute": 4}
